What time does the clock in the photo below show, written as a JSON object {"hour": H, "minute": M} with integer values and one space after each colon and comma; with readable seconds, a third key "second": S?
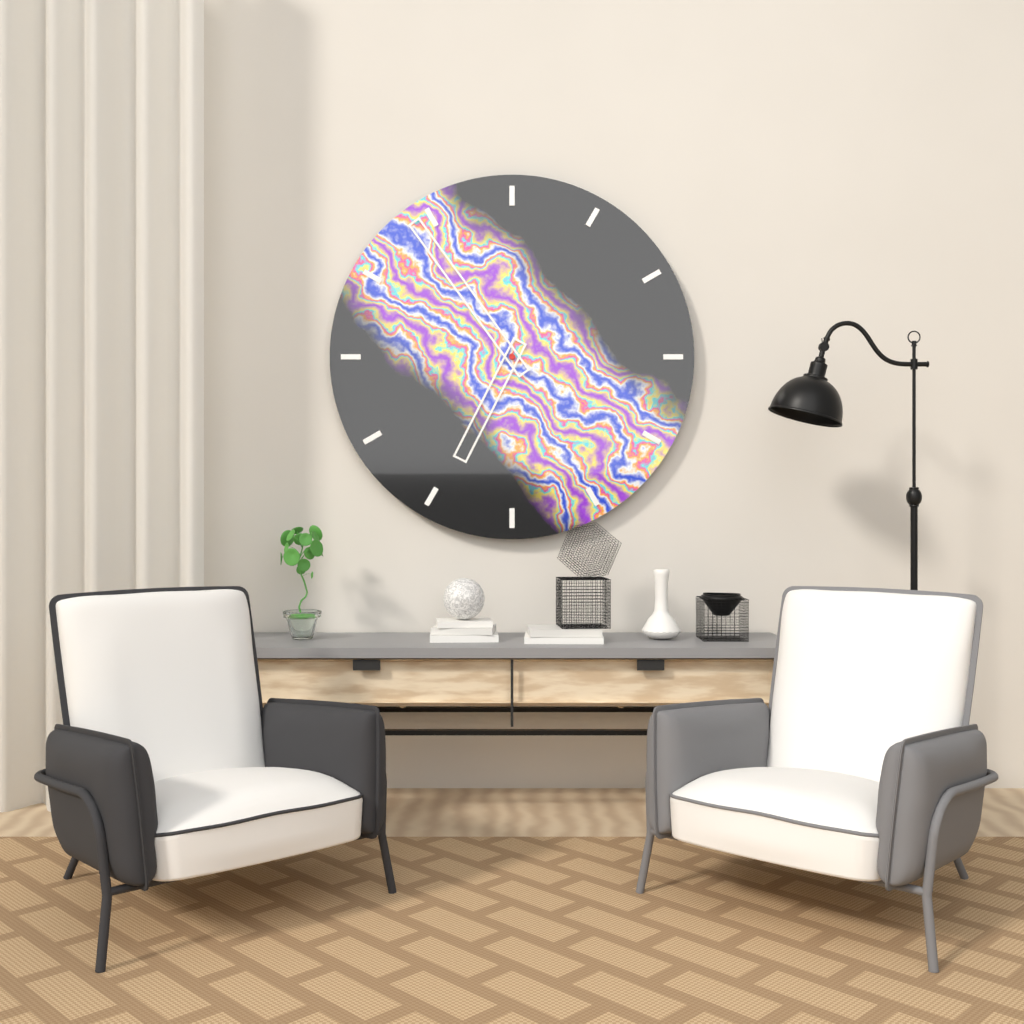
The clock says {"hour": 6, "minute": 54}
